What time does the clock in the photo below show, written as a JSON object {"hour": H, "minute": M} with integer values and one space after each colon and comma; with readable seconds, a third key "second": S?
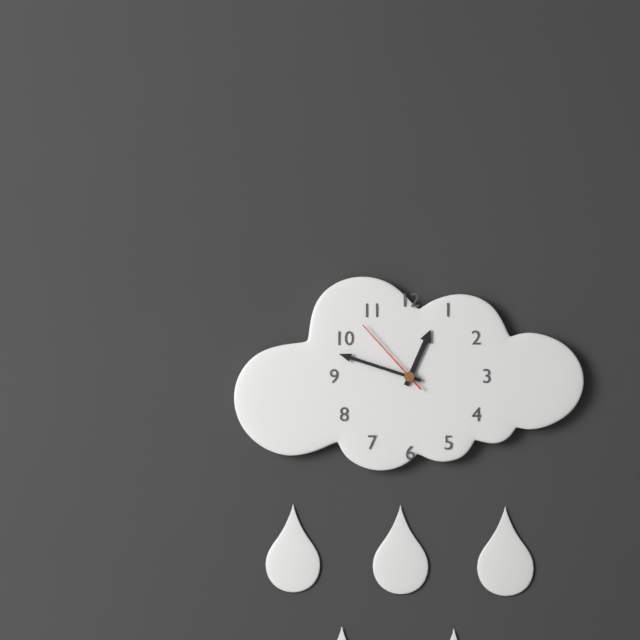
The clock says {"hour": 12, "minute": 48, "second": 53}
